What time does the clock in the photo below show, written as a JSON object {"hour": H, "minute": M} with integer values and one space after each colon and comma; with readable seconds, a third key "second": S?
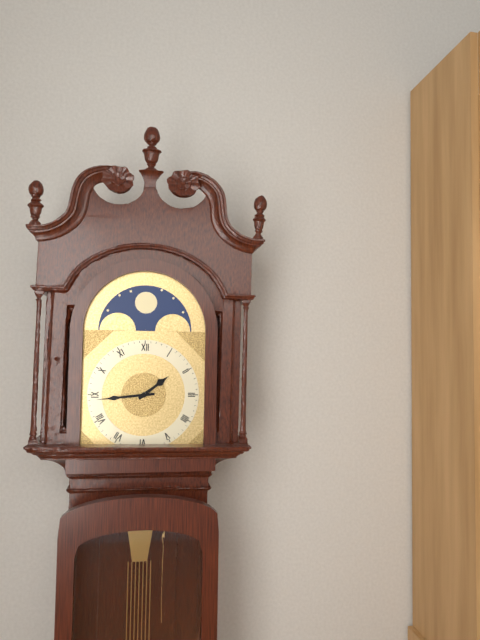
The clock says {"hour": 1, "minute": 44}
